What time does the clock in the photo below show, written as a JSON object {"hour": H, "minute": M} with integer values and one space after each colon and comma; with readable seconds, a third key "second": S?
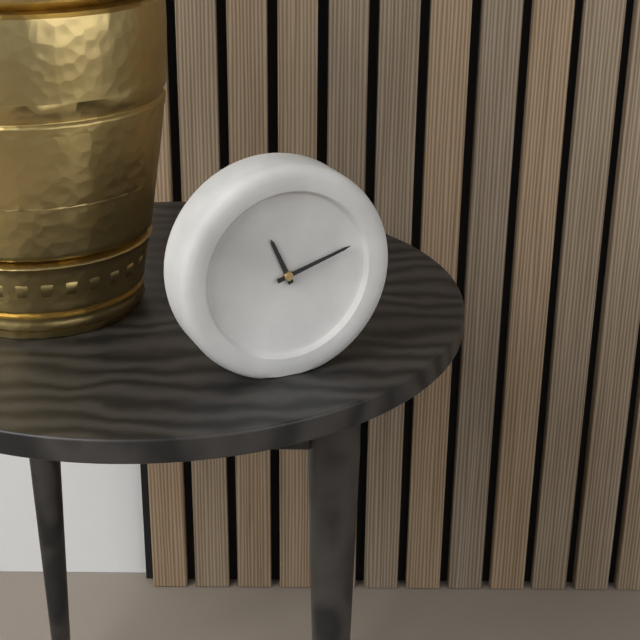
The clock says {"hour": 11, "minute": 12}
